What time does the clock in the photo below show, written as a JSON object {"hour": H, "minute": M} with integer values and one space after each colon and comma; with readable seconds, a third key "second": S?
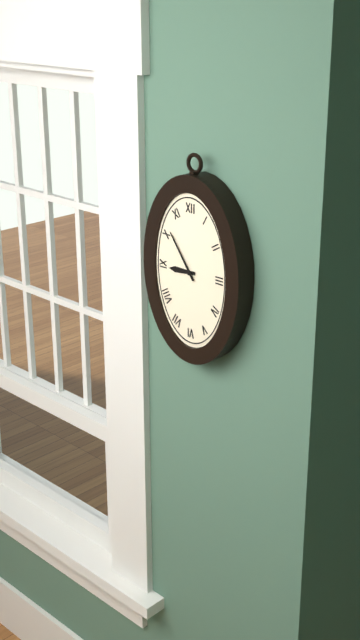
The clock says {"hour": 8, "minute": 54}
